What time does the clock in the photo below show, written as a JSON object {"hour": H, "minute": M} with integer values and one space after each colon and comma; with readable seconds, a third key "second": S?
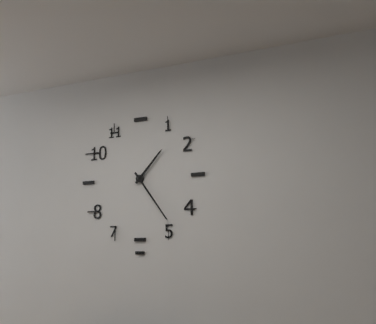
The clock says {"hour": 1, "minute": 24}
